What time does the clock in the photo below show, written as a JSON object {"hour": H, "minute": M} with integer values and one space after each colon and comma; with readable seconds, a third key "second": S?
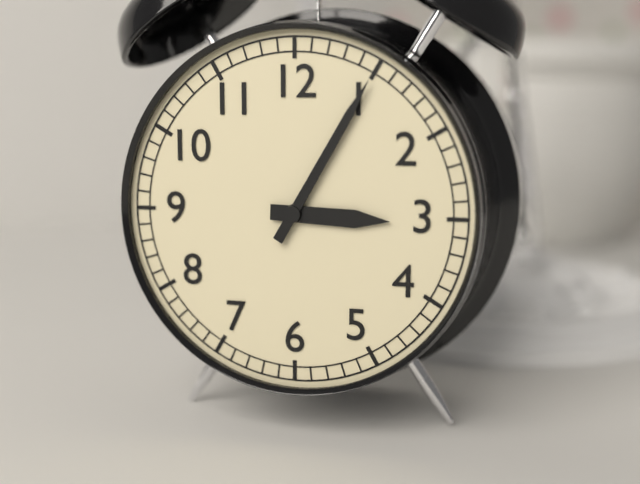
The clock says {"hour": 3, "minute": 5}
